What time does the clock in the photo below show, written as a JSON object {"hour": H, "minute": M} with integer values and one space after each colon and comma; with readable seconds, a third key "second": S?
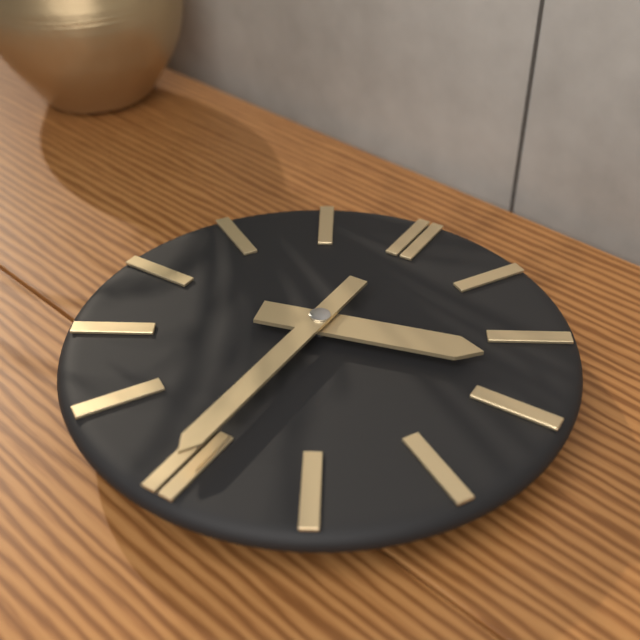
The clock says {"hour": 2, "minute": 30}
